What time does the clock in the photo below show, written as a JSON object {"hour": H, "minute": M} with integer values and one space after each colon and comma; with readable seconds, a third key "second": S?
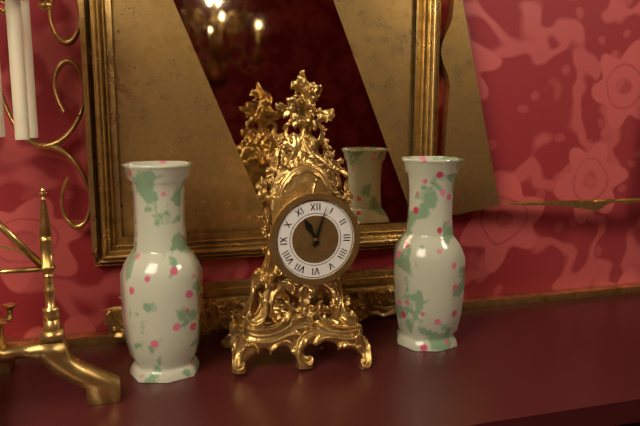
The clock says {"hour": 11, "minute": 3}
